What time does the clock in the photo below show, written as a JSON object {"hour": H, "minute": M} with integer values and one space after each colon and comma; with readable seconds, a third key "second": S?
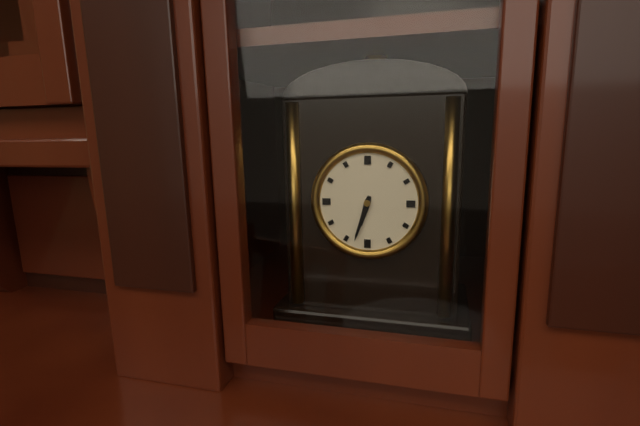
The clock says {"hour": 6, "minute": 33}
